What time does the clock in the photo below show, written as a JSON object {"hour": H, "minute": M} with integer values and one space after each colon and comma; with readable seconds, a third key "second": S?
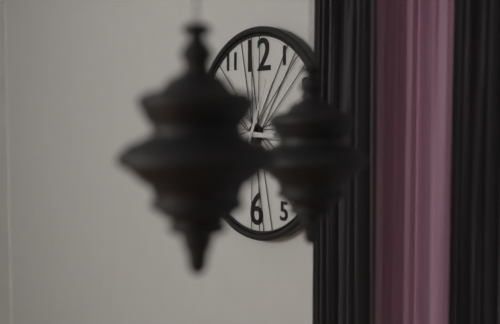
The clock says {"hour": 3, "minute": 4}
